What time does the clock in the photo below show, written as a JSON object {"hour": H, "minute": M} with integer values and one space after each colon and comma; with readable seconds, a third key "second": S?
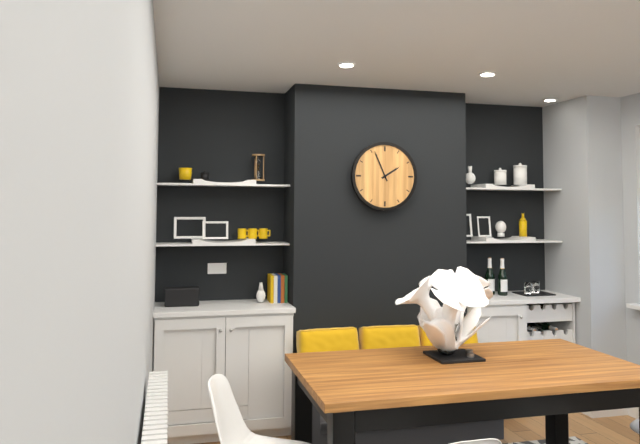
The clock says {"hour": 1, "minute": 56}
